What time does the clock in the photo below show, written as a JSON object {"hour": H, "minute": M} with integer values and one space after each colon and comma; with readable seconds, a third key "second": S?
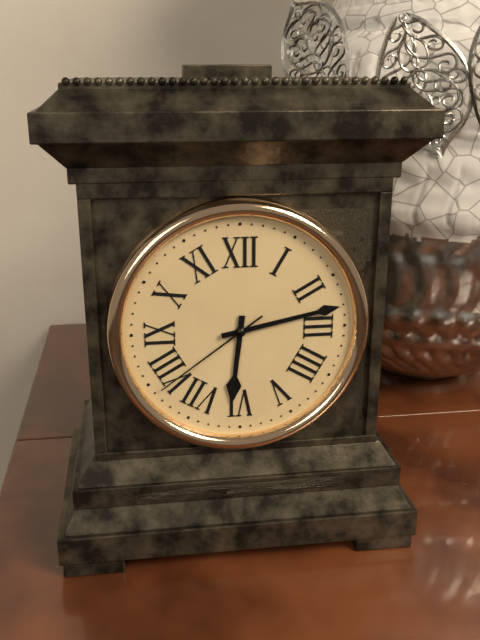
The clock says {"hour": 6, "minute": 13, "second": 39}
